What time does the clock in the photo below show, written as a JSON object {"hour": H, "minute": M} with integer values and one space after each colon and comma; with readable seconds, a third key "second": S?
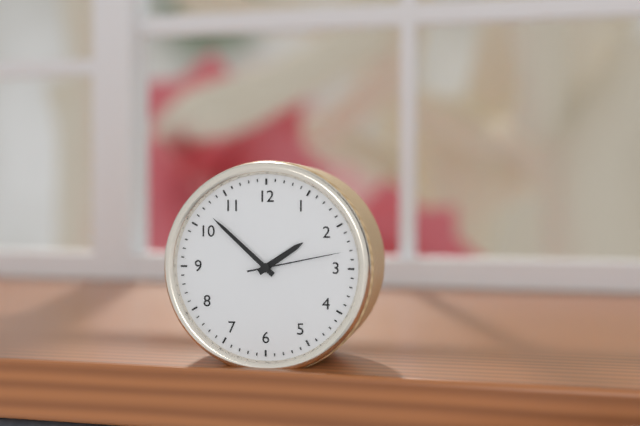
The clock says {"hour": 1, "minute": 52, "second": 13}
